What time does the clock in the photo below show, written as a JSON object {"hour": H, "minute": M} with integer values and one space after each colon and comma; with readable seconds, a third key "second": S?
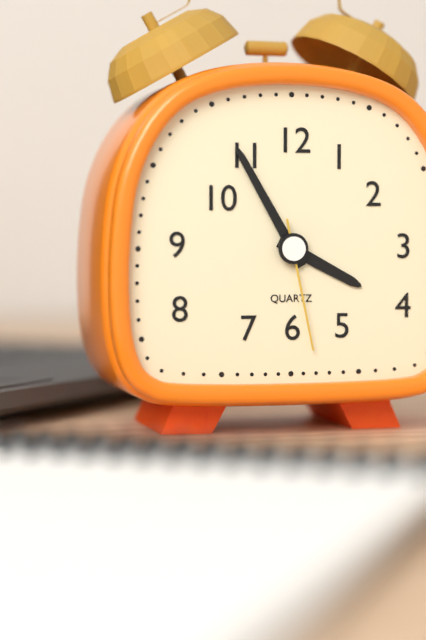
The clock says {"hour": 3, "minute": 55, "second": 28}
